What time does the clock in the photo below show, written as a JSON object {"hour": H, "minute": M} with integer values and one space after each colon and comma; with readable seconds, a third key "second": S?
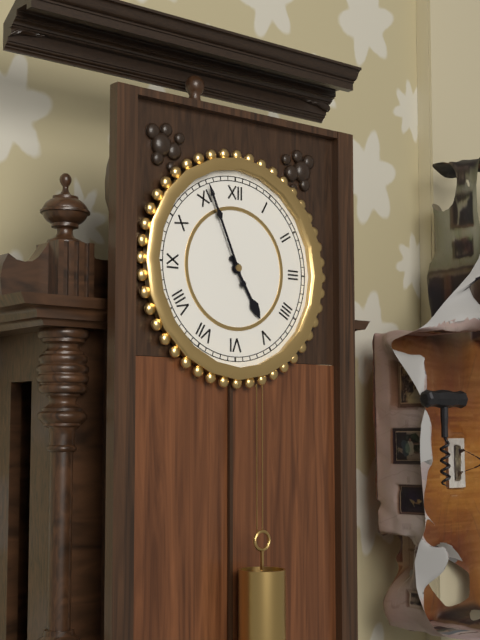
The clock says {"hour": 4, "minute": 56}
